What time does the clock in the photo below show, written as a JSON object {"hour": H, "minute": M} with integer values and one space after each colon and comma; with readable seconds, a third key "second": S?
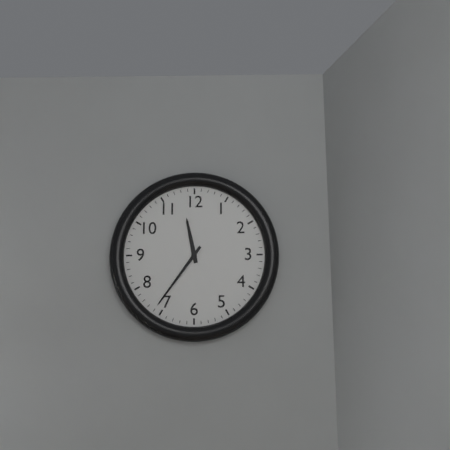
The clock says {"hour": 11, "minute": 36}
